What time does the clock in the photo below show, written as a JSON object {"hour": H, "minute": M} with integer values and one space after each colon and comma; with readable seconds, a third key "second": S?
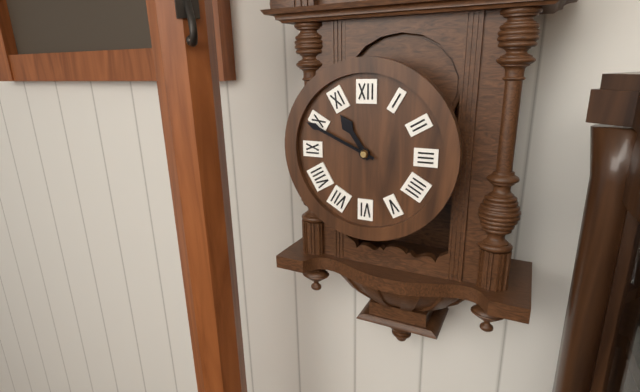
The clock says {"hour": 10, "minute": 49}
